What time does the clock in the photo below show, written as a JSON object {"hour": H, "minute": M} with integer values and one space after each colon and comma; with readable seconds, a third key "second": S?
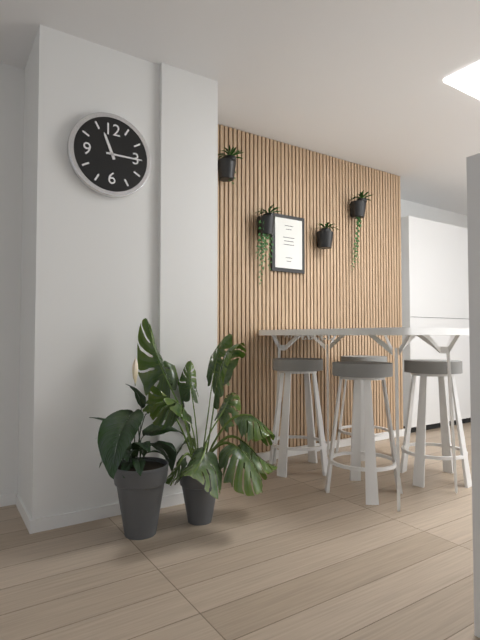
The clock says {"hour": 11, "minute": 15}
